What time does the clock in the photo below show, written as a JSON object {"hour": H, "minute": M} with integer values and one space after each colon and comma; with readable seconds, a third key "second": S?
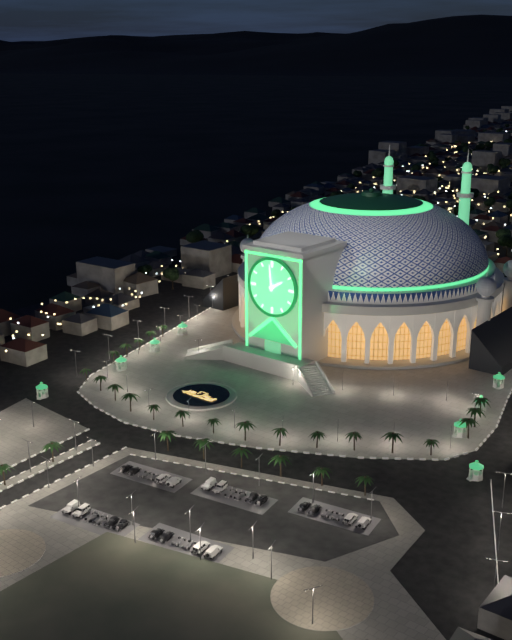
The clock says {"hour": 1, "minute": 59}
